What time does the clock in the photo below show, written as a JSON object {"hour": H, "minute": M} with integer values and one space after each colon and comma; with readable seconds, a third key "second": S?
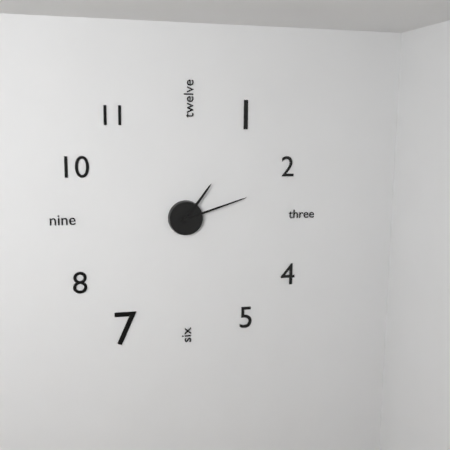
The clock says {"hour": 1, "minute": 12}
